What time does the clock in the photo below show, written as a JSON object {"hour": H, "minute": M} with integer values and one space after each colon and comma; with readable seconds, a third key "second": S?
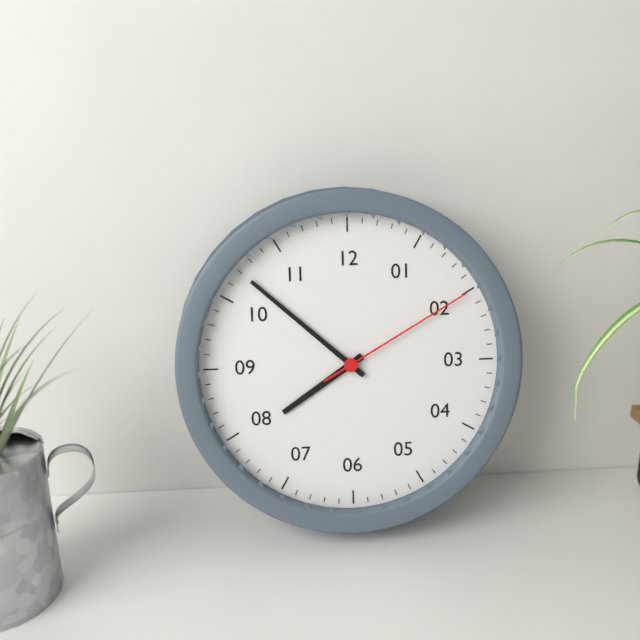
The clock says {"hour": 7, "minute": 52, "second": 10}
